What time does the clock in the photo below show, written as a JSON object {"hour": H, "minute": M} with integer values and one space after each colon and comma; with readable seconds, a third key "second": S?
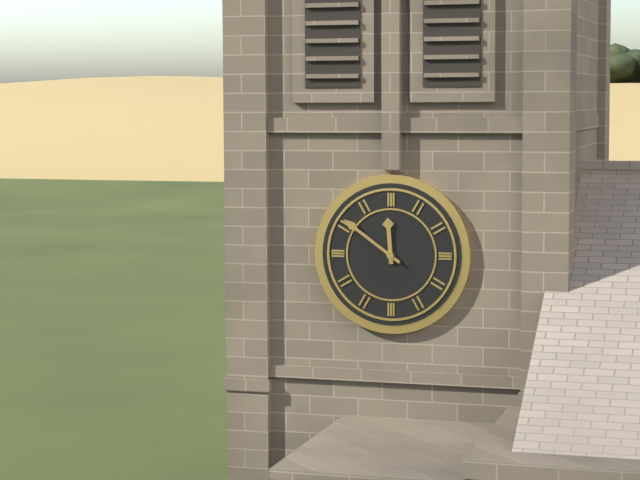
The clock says {"hour": 11, "minute": 51}
